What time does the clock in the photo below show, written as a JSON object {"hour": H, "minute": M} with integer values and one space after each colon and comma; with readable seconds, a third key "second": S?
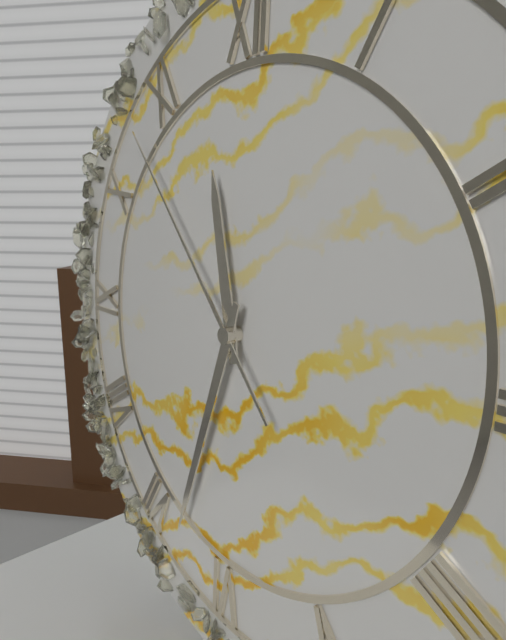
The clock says {"hour": 11, "minute": 33, "second": 53}
